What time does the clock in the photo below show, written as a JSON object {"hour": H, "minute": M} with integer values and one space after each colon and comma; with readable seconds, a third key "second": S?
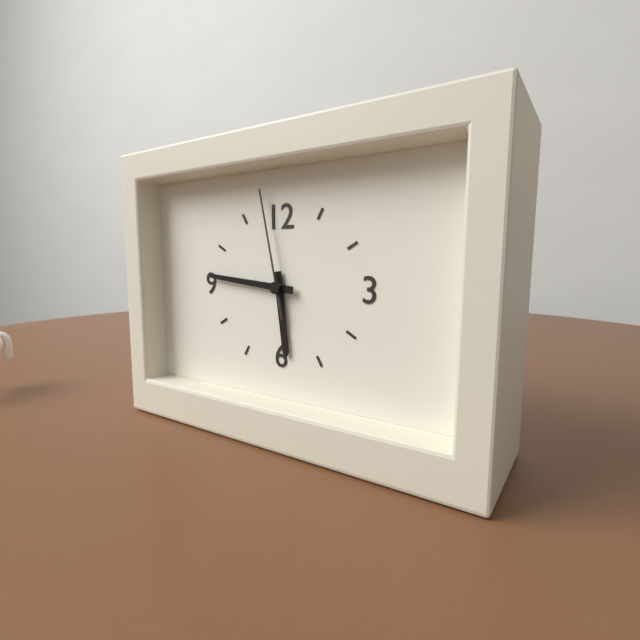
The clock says {"hour": 5, "minute": 46, "second": 58}
